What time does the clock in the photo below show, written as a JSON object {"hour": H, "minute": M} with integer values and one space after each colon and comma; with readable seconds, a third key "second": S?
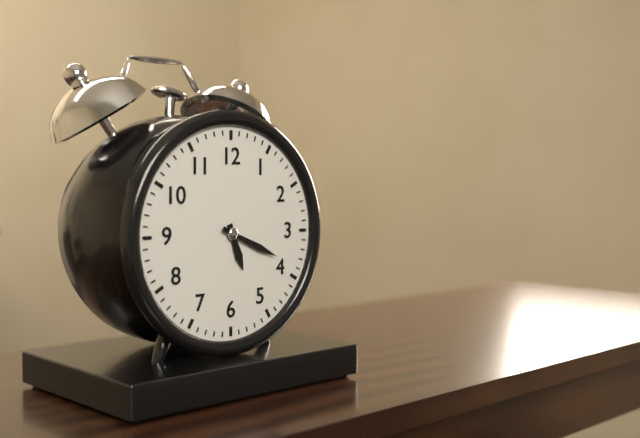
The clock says {"hour": 5, "minute": 19}
